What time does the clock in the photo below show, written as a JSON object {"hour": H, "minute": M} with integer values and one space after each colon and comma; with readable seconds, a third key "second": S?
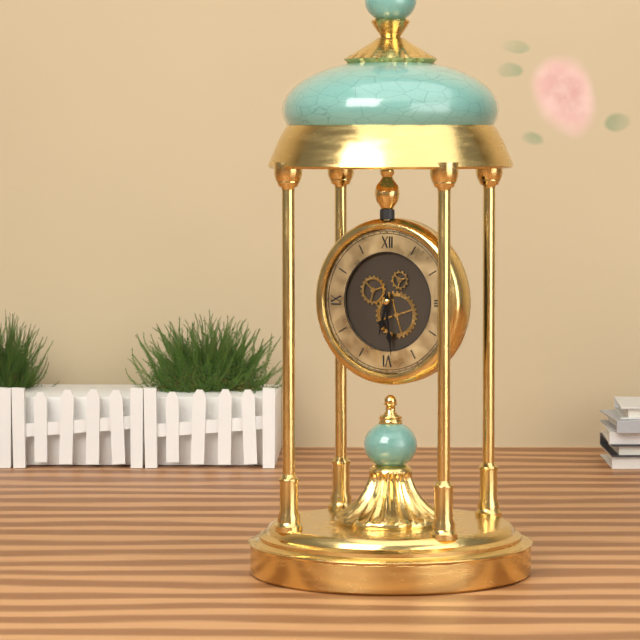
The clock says {"hour": 6, "minute": 29}
